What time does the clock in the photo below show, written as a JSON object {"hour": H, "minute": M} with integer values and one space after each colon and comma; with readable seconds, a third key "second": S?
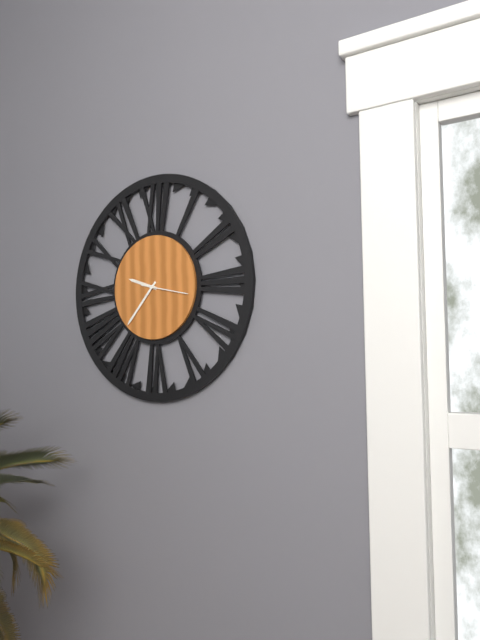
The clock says {"hour": 9, "minute": 37}
